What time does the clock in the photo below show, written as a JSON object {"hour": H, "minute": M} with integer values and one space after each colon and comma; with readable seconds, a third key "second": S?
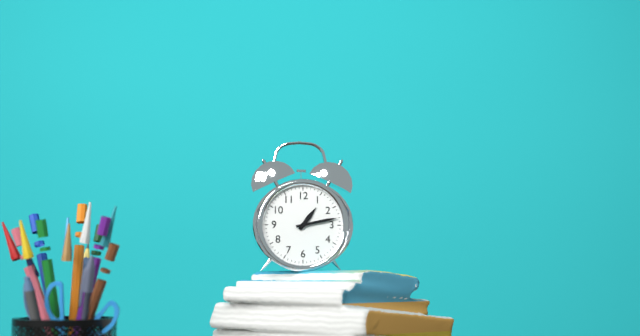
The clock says {"hour": 1, "minute": 13}
